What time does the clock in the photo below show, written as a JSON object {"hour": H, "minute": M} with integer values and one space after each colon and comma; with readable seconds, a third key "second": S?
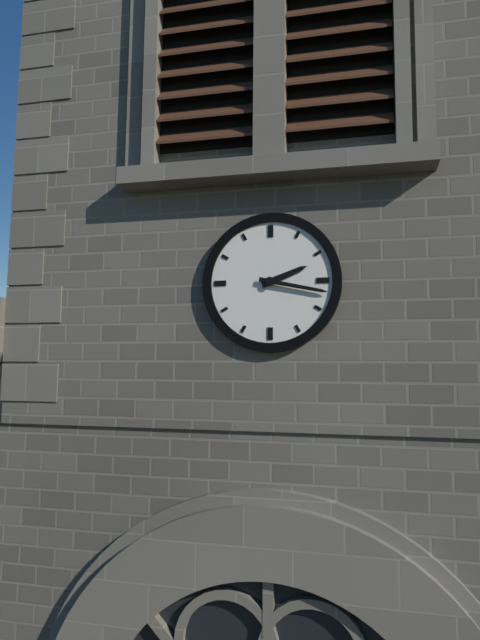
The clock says {"hour": 2, "minute": 17}
